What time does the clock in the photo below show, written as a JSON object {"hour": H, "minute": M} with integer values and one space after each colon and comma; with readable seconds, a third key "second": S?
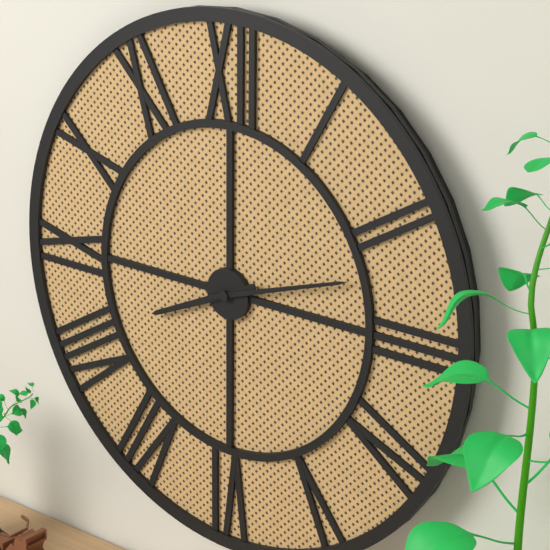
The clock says {"hour": 8, "minute": 12}
